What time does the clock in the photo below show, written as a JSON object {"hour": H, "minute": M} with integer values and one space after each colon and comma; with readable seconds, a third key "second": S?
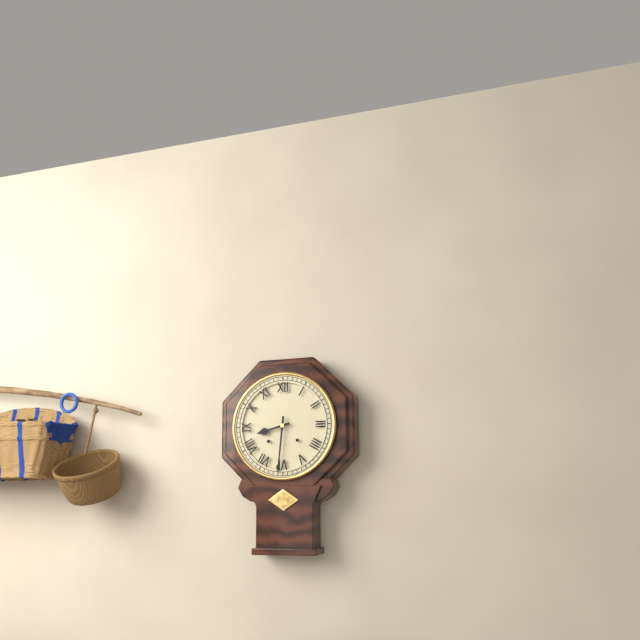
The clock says {"hour": 8, "minute": 31}
